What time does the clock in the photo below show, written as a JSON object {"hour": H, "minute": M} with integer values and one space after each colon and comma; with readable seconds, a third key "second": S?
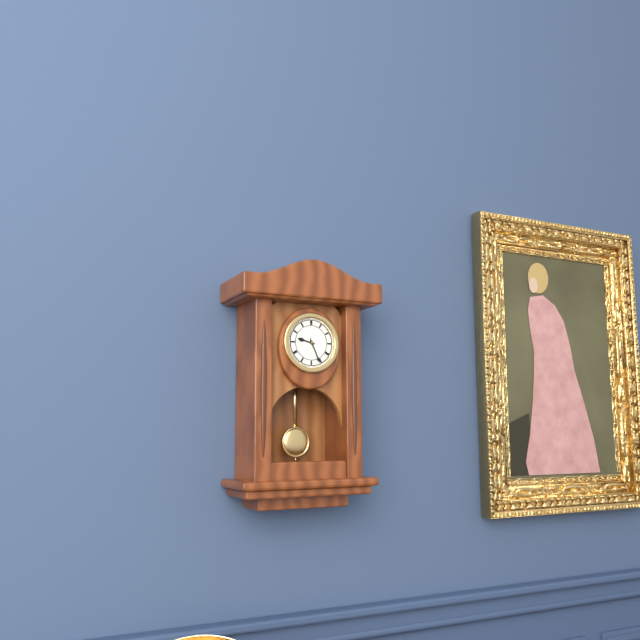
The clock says {"hour": 9, "minute": 26}
